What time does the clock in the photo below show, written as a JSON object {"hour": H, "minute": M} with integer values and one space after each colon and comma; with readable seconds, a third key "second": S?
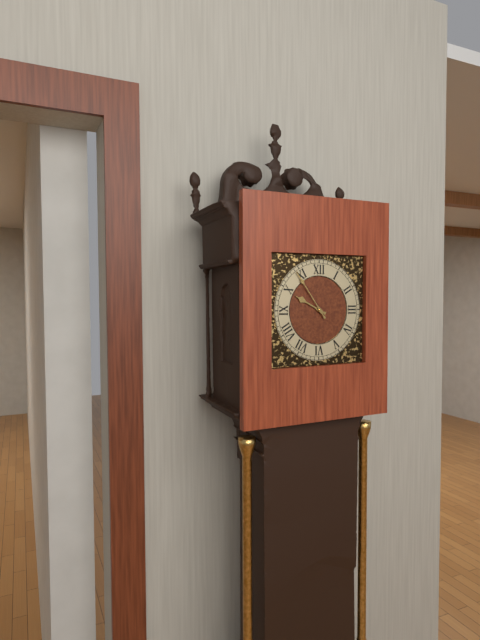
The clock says {"hour": 9, "minute": 54}
